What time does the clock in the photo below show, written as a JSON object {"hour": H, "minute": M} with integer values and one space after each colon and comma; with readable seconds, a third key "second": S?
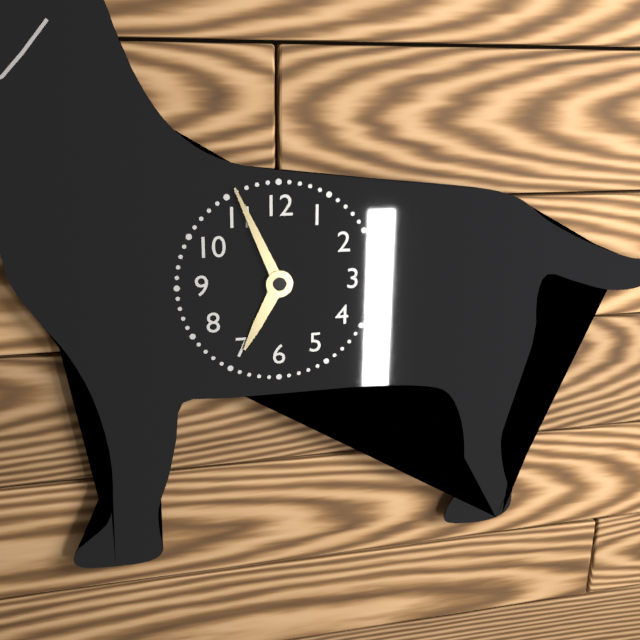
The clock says {"hour": 6, "minute": 56}
